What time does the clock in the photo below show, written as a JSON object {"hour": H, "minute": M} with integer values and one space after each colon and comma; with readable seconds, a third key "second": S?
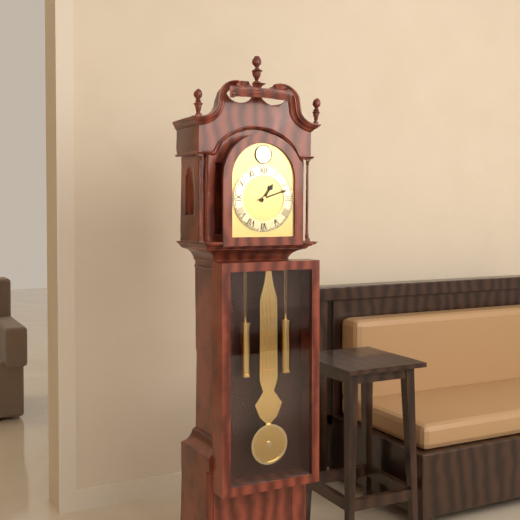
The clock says {"hour": 1, "minute": 12}
